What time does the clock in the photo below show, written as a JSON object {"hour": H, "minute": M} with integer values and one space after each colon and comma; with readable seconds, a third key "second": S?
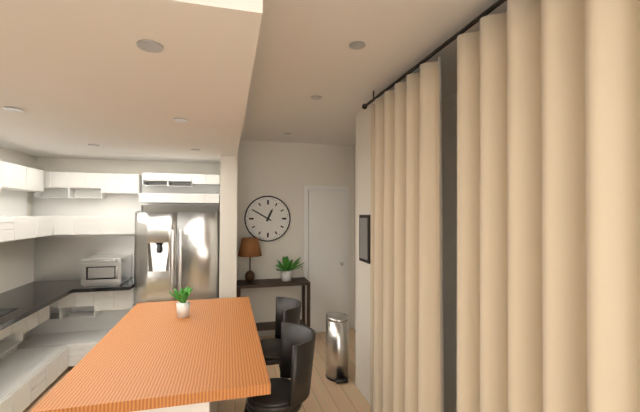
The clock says {"hour": 12, "minute": 50}
